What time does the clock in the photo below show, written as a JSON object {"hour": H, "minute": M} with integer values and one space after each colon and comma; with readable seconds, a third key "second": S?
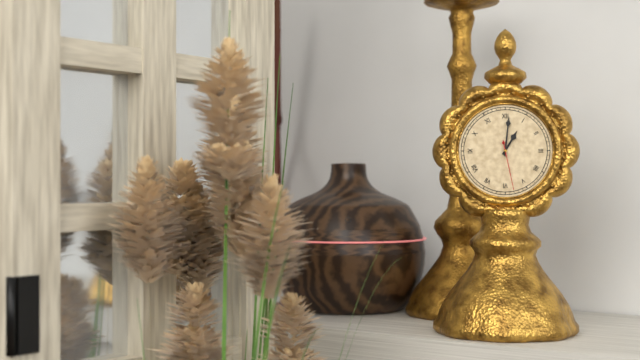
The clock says {"hour": 1, "minute": 1, "second": 28}
